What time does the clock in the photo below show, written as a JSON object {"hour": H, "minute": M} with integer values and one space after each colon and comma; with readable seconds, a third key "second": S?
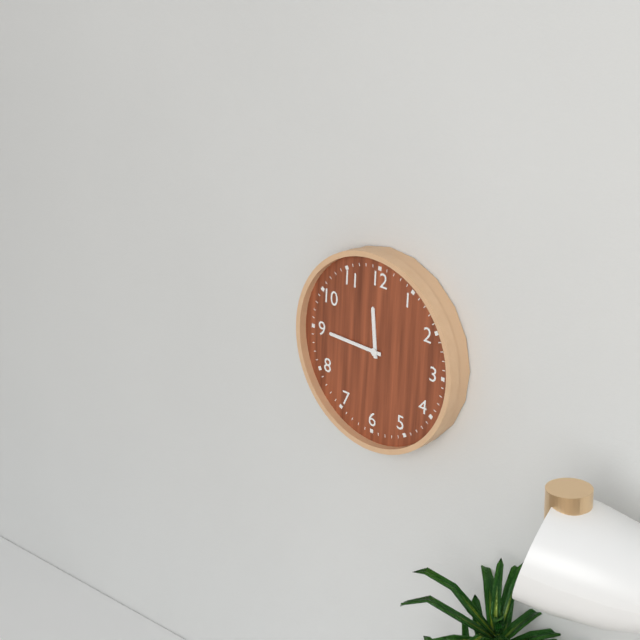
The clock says {"hour": 11, "minute": 45}
